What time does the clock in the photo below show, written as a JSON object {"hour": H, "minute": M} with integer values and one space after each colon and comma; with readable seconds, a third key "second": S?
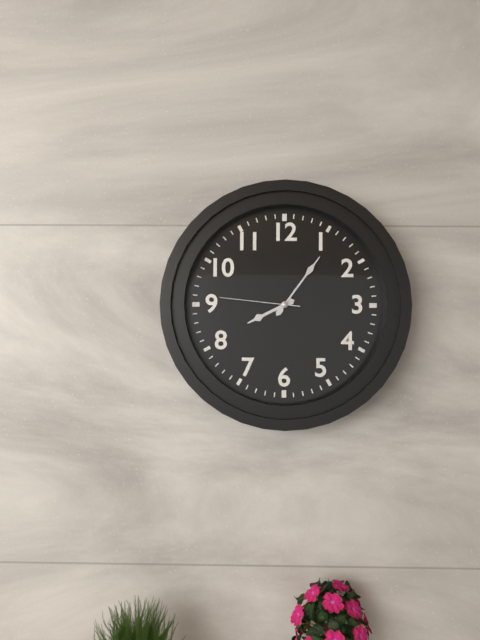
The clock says {"hour": 8, "minute": 6, "second": 46}
